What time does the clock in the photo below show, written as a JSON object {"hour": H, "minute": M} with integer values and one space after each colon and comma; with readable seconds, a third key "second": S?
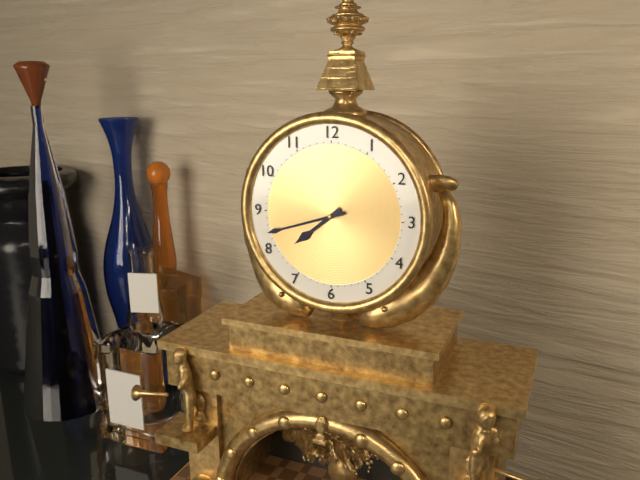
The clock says {"hour": 7, "minute": 42}
